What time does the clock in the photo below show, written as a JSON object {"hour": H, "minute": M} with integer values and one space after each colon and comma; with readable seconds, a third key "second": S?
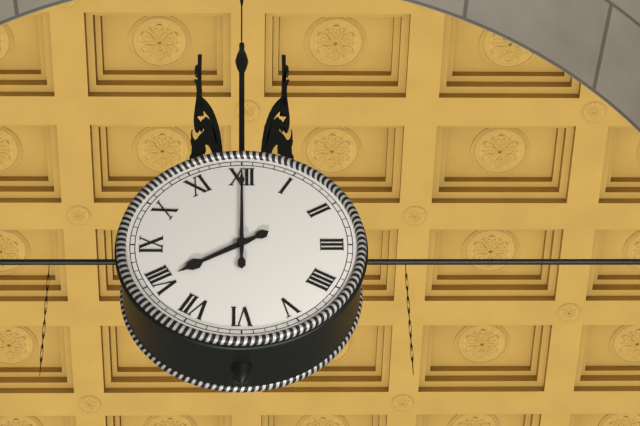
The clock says {"hour": 8, "minute": 0}
